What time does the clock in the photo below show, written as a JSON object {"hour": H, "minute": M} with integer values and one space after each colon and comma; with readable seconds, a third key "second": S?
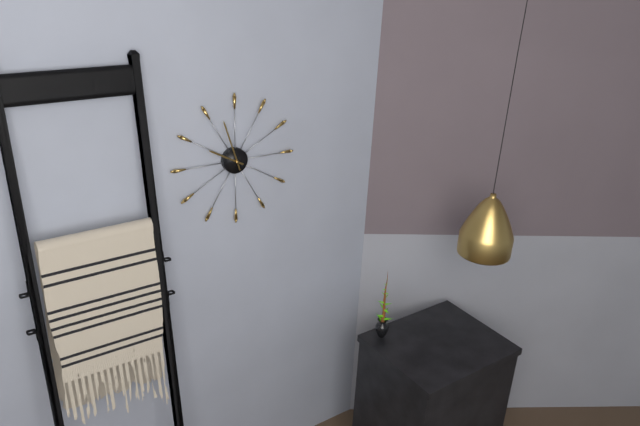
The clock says {"hour": 9, "minute": 57}
